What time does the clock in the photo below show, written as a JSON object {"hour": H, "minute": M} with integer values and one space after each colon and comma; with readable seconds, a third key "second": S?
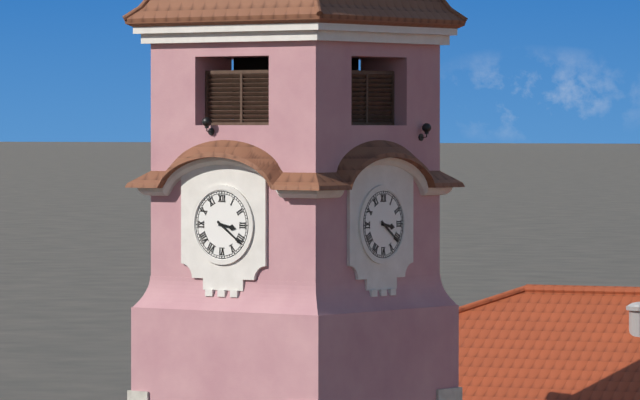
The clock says {"hour": 3, "minute": 21}
